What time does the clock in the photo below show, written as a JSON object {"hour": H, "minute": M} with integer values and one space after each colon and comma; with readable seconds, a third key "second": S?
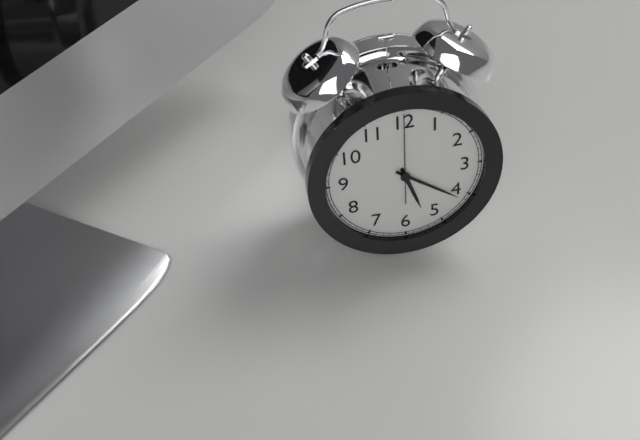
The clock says {"hour": 5, "minute": 21, "second": 0}
